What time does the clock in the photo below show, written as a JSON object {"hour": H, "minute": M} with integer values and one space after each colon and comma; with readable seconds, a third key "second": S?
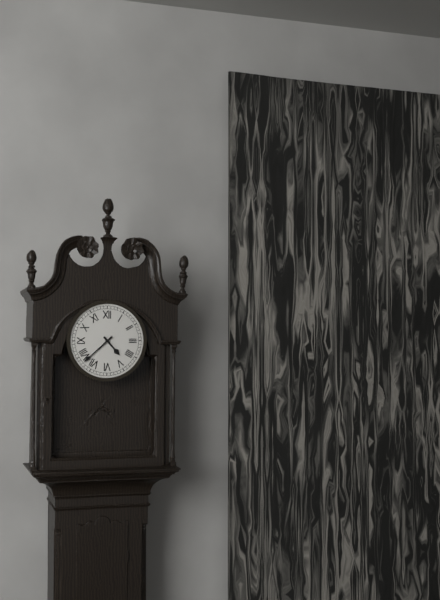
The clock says {"hour": 4, "minute": 38}
